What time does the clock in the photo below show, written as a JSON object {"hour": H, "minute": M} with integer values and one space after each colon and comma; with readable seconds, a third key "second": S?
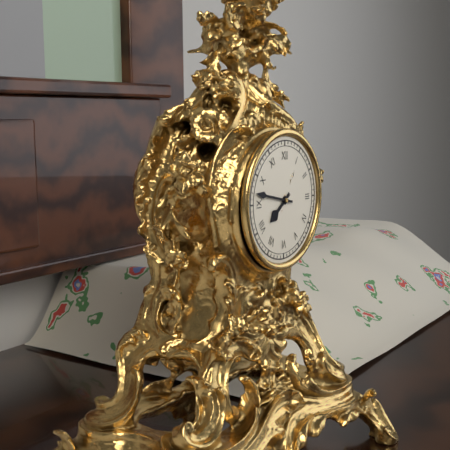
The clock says {"hour": 7, "minute": 47}
